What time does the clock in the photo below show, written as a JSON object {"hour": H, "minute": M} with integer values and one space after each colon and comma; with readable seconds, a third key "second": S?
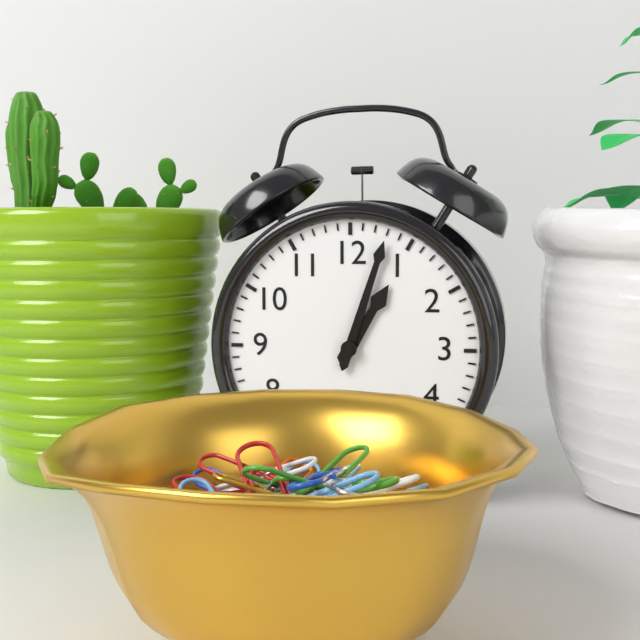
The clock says {"hour": 1, "minute": 3}
